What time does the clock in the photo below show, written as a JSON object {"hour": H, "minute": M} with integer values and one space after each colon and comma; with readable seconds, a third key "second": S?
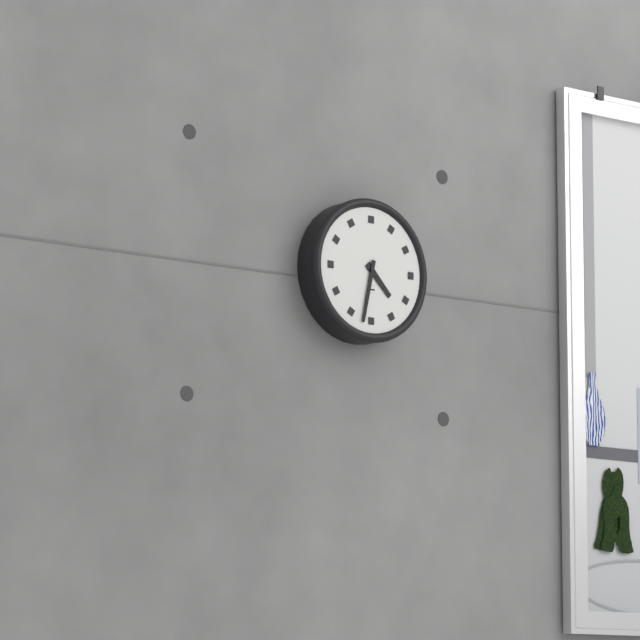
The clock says {"hour": 4, "minute": 32}
